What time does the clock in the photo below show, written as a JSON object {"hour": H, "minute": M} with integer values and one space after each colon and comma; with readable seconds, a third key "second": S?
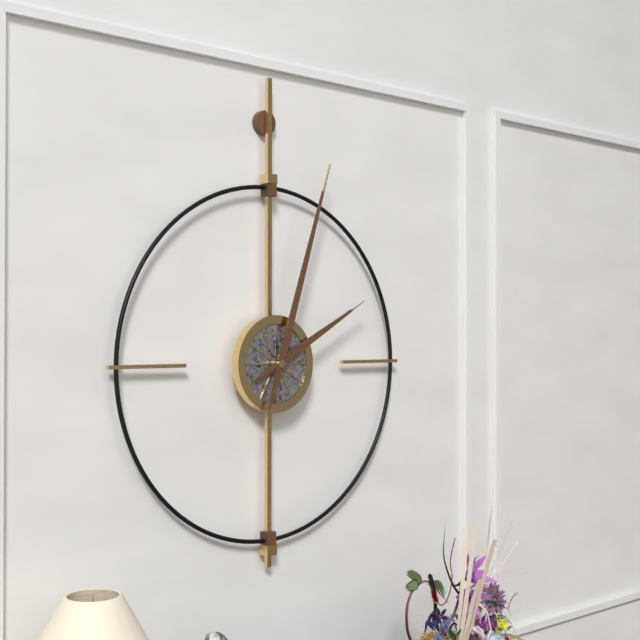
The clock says {"hour": 2, "minute": 3}
